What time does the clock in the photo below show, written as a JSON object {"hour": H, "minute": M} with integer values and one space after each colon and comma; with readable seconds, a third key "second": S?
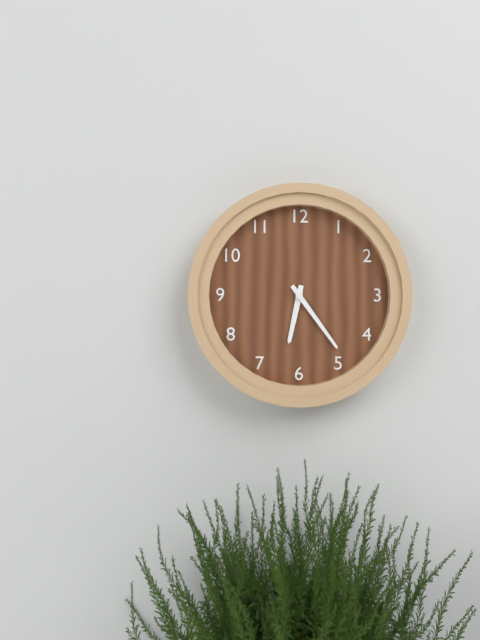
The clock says {"hour": 6, "minute": 24}
